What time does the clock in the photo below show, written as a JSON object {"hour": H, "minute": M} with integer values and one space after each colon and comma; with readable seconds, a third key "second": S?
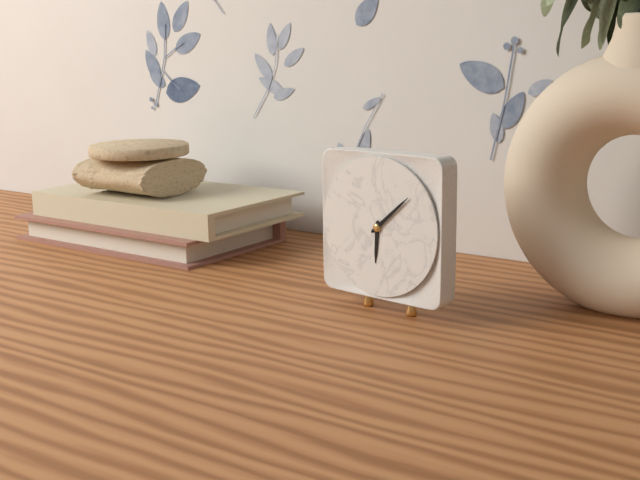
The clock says {"hour": 6, "minute": 8}
